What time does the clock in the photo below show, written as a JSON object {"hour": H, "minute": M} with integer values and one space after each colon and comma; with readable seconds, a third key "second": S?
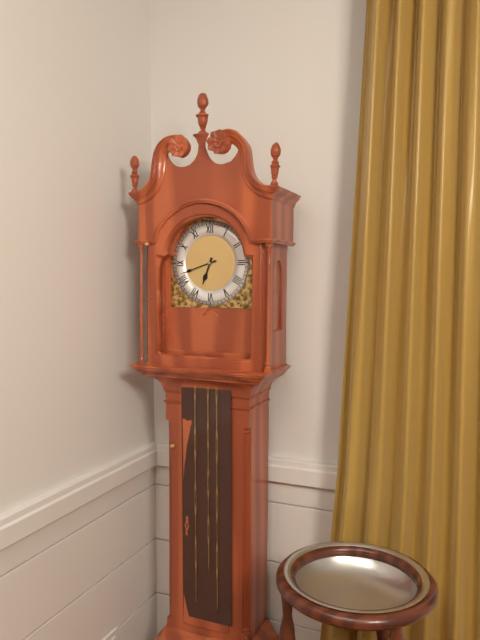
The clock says {"hour": 6, "minute": 42}
